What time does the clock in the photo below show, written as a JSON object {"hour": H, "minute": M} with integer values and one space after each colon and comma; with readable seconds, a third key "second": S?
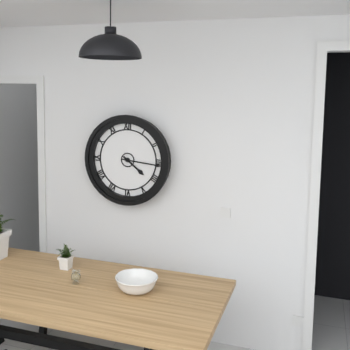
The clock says {"hour": 4, "minute": 16}
